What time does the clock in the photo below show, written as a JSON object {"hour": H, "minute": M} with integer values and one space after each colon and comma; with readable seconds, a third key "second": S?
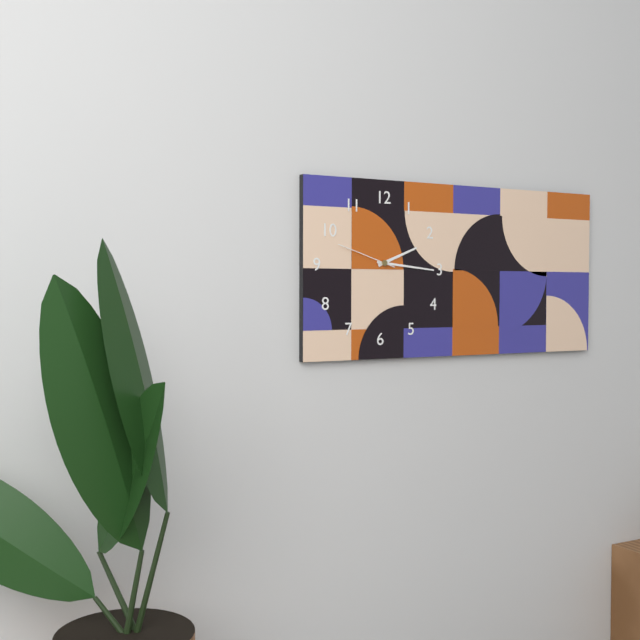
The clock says {"hour": 2, "minute": 16, "second": 48}
